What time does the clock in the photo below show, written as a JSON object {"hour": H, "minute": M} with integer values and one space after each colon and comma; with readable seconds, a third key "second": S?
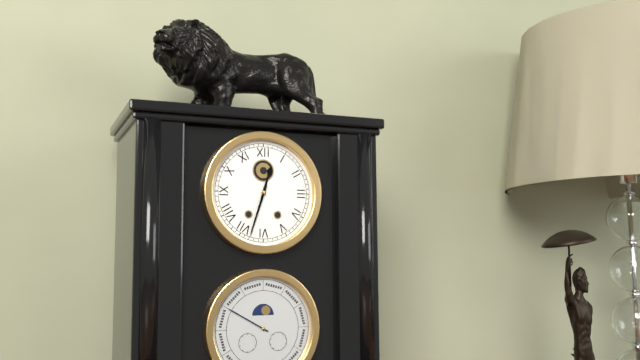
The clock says {"hour": 12, "minute": 33}
